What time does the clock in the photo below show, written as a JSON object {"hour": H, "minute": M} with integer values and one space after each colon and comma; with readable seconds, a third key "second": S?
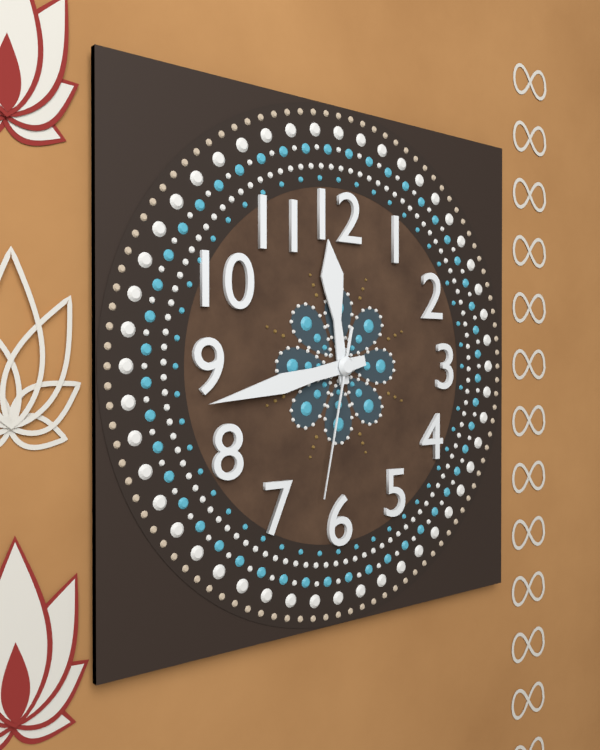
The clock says {"hour": 11, "minute": 43, "second": 32}
